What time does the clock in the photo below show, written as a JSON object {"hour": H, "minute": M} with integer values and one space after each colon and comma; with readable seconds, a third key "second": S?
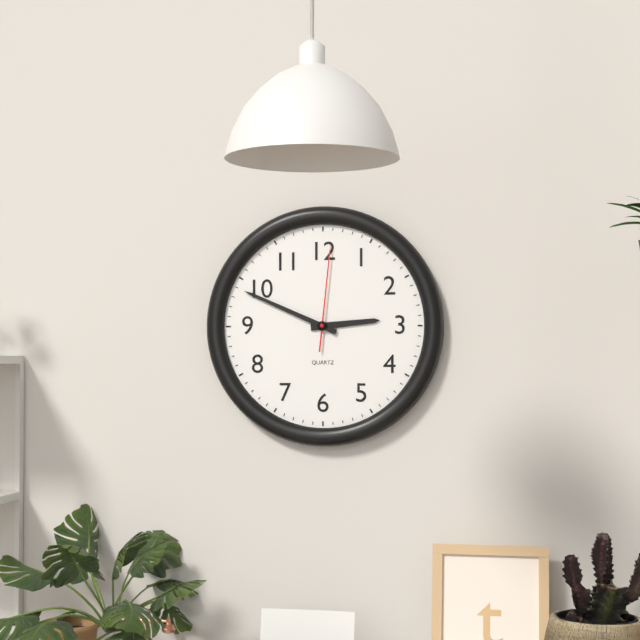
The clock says {"hour": 2, "minute": 49, "second": 1}
